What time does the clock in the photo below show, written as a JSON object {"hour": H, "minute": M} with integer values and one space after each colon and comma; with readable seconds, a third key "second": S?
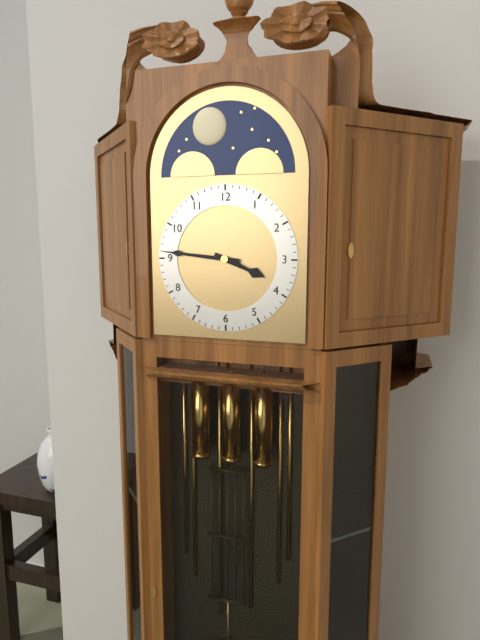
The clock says {"hour": 3, "minute": 46}
